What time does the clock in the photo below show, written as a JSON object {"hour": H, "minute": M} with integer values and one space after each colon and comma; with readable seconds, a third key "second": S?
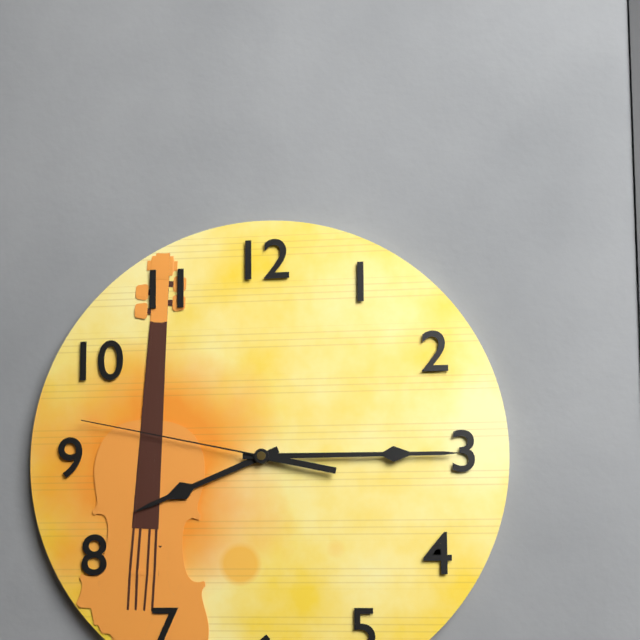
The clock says {"hour": 8, "minute": 15, "second": 47}
